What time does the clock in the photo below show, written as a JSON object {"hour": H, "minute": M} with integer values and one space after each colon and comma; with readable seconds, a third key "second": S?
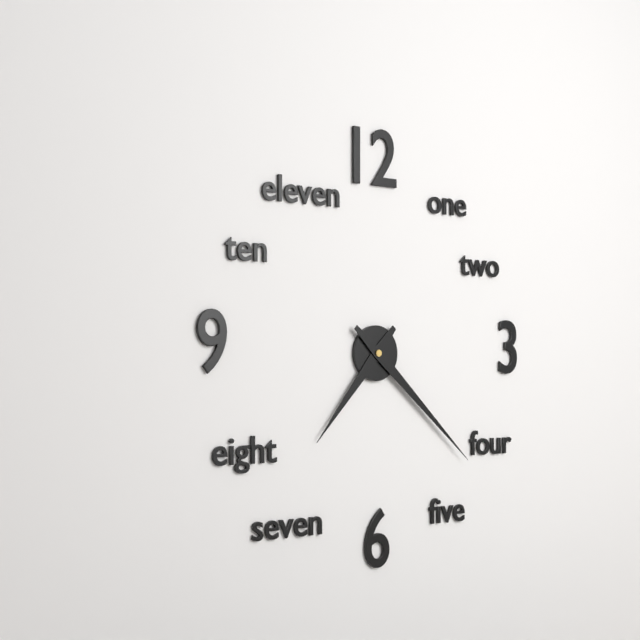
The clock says {"hour": 7, "minute": 22}
